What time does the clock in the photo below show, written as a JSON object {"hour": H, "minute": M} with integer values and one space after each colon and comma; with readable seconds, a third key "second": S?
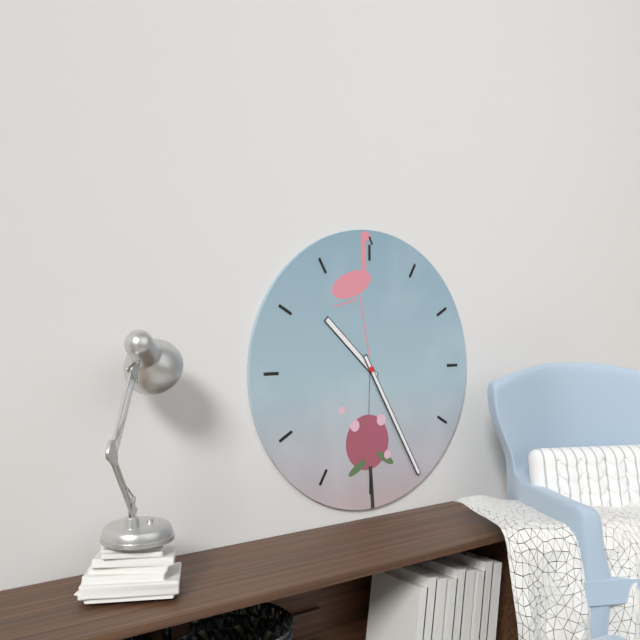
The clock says {"hour": 10, "minute": 25}
